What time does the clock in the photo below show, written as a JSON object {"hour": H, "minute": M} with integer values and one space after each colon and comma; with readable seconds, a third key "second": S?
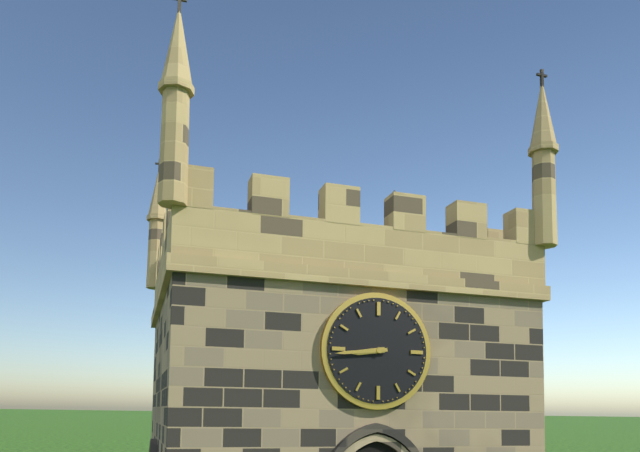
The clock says {"hour": 8, "minute": 44}
